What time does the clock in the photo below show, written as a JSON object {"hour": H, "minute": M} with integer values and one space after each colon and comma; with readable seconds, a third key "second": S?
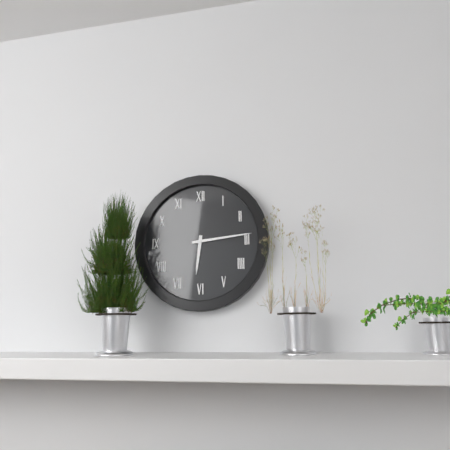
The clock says {"hour": 6, "minute": 14}
